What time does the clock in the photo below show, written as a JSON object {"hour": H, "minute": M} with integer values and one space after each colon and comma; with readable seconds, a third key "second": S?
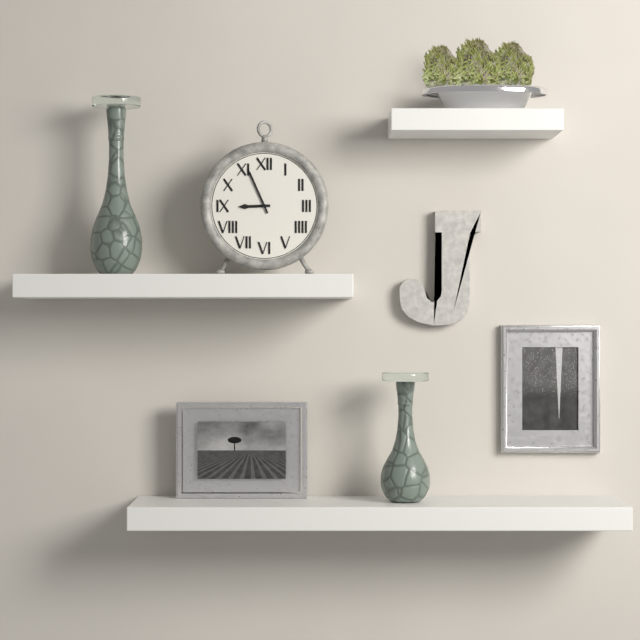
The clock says {"hour": 8, "minute": 56}
